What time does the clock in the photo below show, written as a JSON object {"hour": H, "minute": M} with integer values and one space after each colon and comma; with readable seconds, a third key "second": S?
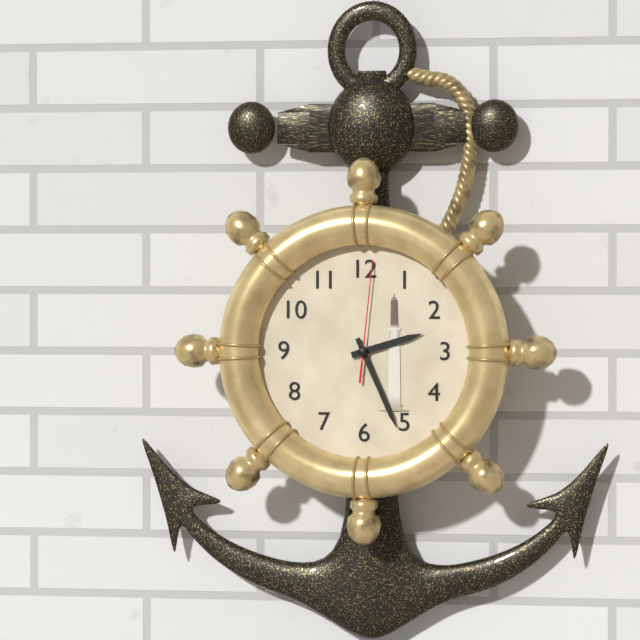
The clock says {"hour": 2, "minute": 26, "second": 1}
